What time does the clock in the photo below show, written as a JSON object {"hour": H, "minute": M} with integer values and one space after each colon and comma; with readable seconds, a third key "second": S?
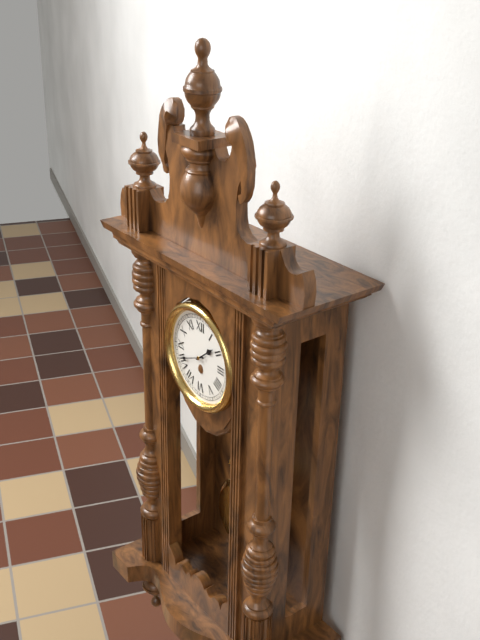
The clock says {"hour": 1, "minute": 41}
